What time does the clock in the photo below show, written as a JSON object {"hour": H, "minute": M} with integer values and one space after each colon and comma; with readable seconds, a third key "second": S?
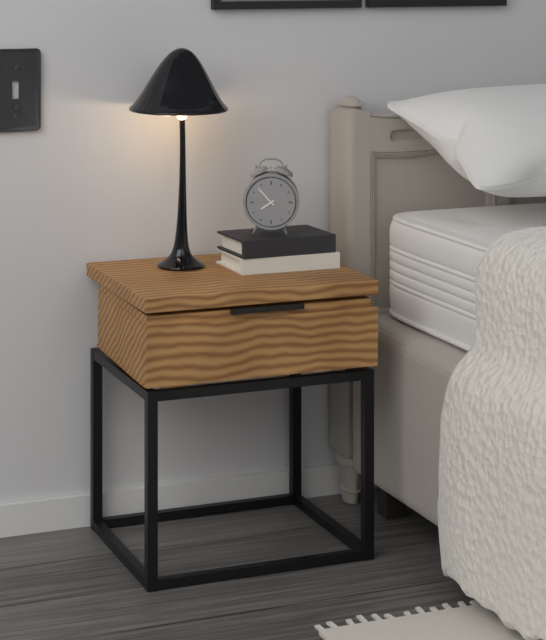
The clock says {"hour": 7, "minute": 53}
